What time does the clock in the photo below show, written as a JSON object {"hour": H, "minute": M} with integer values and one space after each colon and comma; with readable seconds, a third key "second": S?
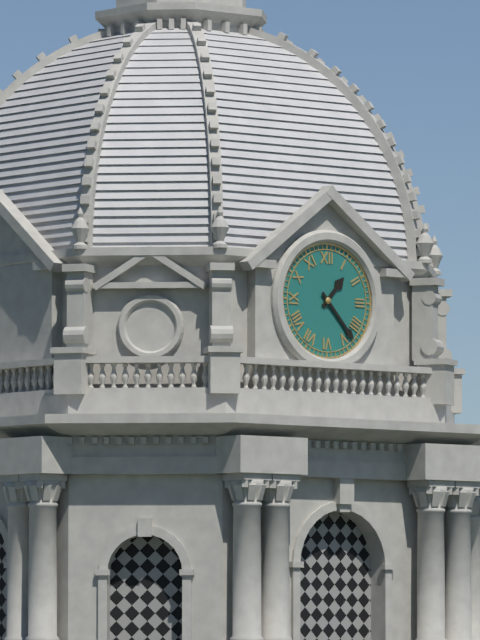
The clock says {"hour": 1, "minute": 23}
